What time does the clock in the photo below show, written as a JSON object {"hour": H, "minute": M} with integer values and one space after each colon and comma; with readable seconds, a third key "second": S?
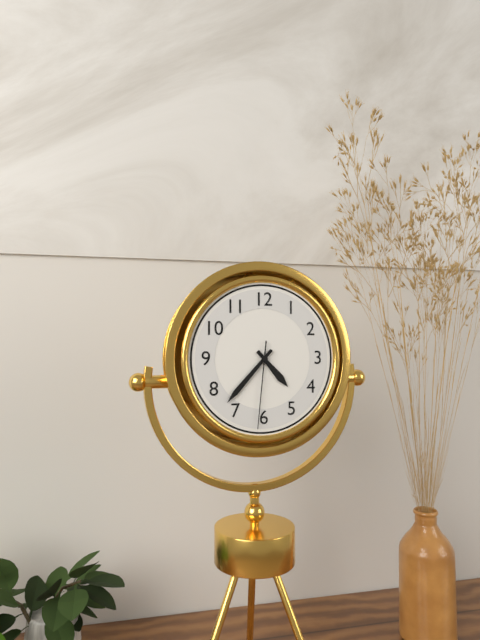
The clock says {"hour": 4, "minute": 37, "second": 31}
